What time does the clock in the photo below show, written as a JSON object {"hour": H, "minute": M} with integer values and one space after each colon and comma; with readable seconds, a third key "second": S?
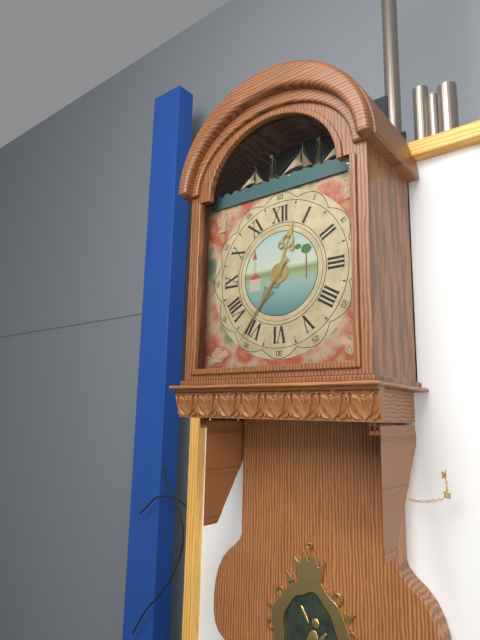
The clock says {"hour": 12, "minute": 36}
